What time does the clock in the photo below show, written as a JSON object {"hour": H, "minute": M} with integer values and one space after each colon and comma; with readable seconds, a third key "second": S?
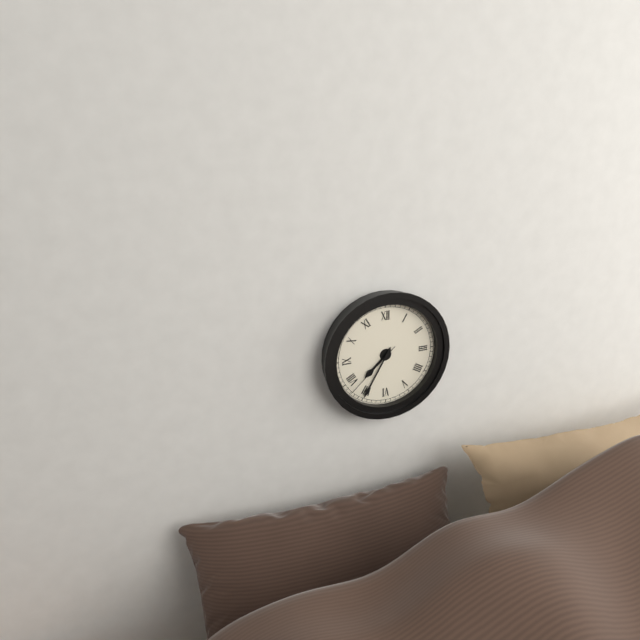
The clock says {"hour": 7, "minute": 35, "second": 38}
